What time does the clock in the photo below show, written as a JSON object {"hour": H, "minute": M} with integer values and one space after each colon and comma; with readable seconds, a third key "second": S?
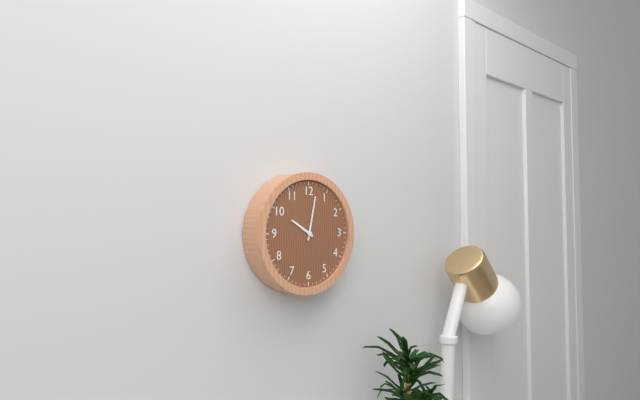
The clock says {"hour": 10, "minute": 2}
